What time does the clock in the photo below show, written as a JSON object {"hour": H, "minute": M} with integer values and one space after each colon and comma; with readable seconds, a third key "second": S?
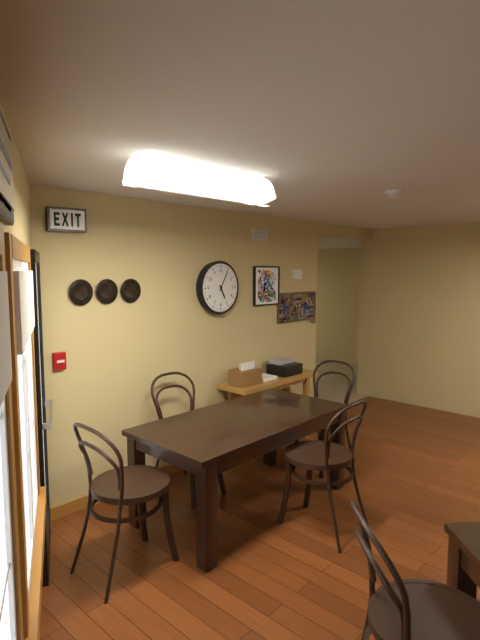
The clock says {"hour": 5, "minute": 5}
